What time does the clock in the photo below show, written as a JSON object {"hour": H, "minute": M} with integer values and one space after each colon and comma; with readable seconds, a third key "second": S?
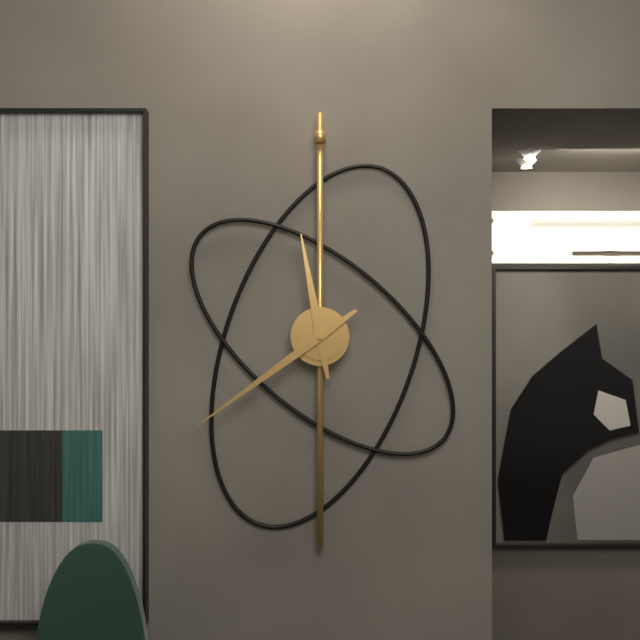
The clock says {"hour": 11, "minute": 39}
